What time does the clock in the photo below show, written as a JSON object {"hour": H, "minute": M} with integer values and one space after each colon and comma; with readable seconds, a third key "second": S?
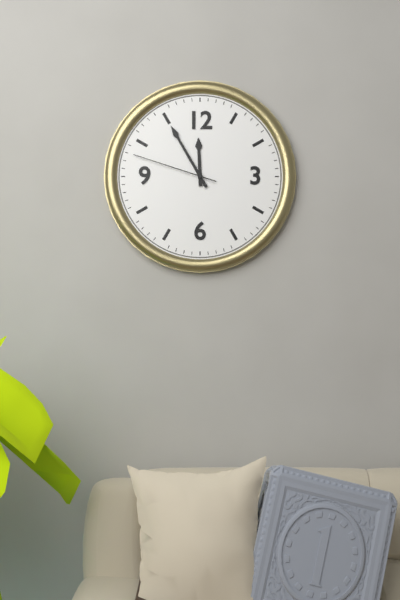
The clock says {"hour": 11, "minute": 55, "second": 48}
